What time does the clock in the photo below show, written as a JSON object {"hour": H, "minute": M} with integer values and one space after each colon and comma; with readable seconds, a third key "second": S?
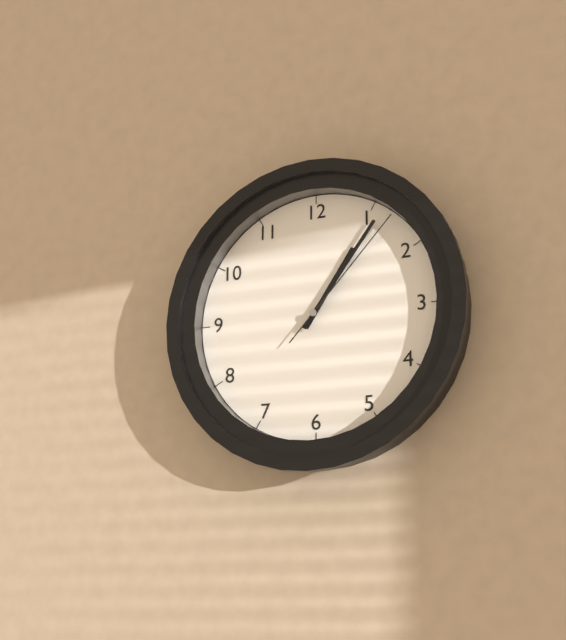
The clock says {"hour": 1, "minute": 6, "second": 7}
